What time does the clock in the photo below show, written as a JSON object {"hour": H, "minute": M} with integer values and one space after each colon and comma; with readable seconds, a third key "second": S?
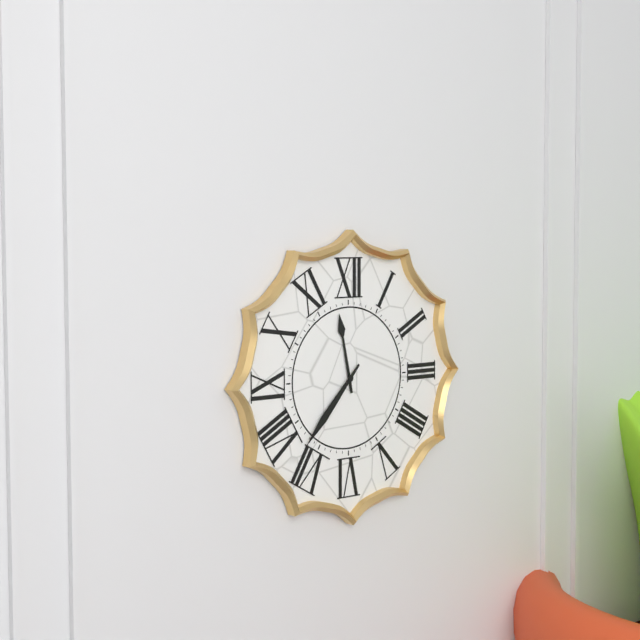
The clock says {"hour": 11, "minute": 37}
